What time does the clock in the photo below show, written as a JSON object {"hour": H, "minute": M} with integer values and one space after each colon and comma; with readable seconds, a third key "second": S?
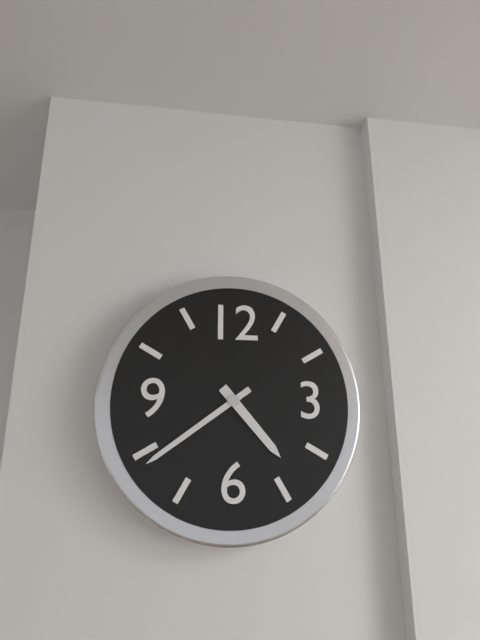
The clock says {"hour": 4, "minute": 39}
